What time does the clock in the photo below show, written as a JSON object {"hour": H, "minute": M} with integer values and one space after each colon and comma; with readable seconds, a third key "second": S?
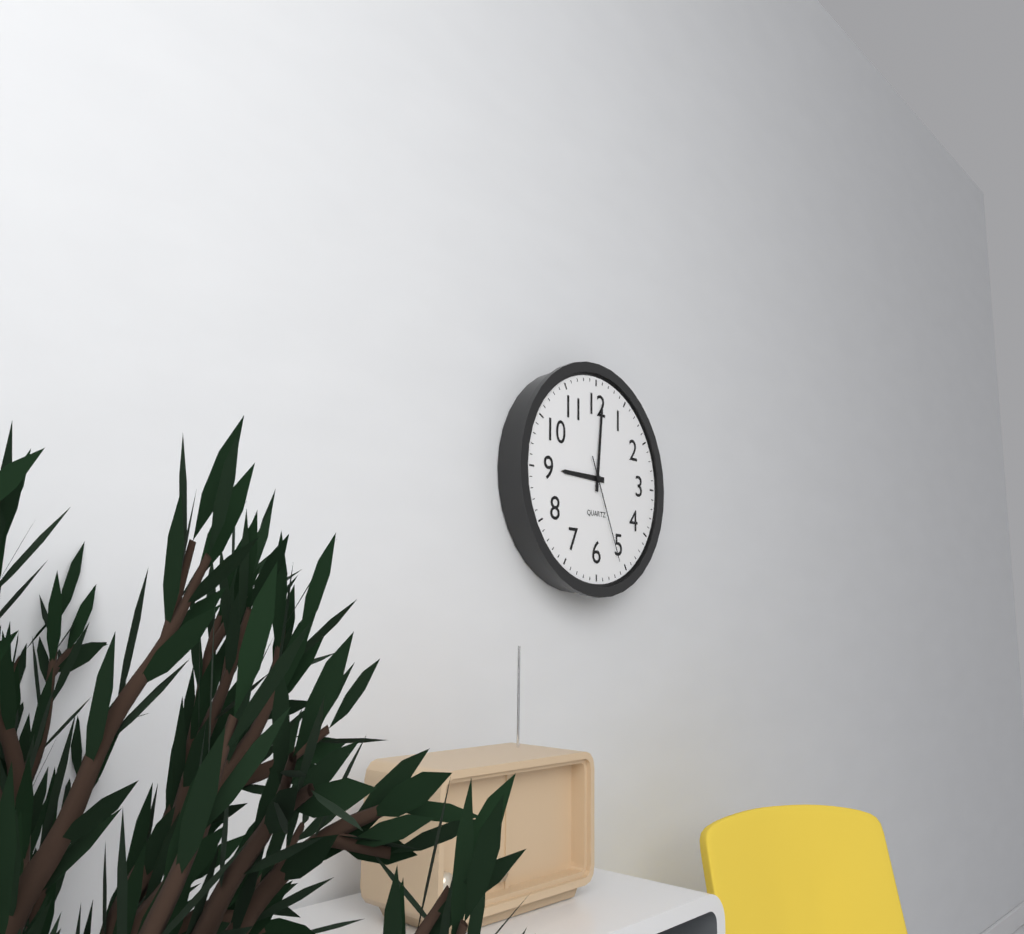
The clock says {"hour": 9, "minute": 1, "second": 26}
